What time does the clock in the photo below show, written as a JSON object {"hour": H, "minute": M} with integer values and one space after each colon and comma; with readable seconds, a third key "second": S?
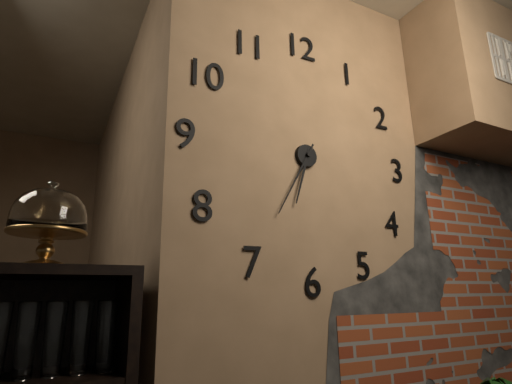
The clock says {"hour": 6, "minute": 35}
